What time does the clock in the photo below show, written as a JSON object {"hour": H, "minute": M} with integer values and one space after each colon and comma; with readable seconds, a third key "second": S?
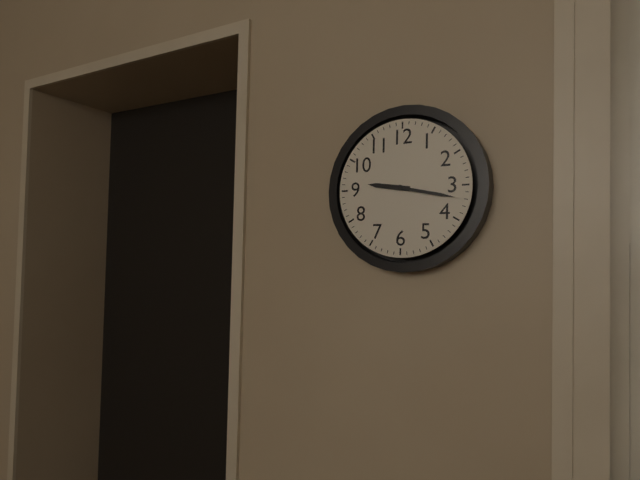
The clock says {"hour": 9, "minute": 17}
